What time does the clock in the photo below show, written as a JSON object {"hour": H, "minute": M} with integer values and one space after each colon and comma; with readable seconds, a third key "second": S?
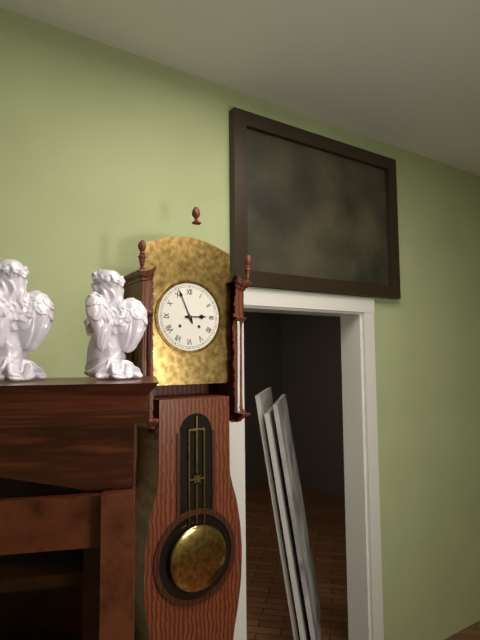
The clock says {"hour": 2, "minute": 56}
